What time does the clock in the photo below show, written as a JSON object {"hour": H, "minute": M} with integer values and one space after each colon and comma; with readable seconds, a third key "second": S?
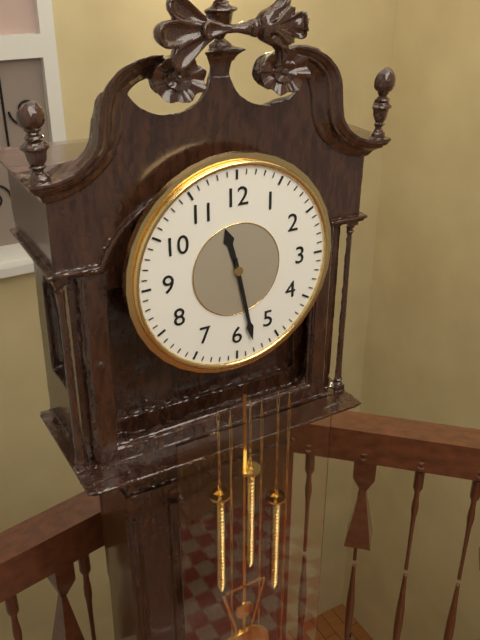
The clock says {"hour": 11, "minute": 28}
